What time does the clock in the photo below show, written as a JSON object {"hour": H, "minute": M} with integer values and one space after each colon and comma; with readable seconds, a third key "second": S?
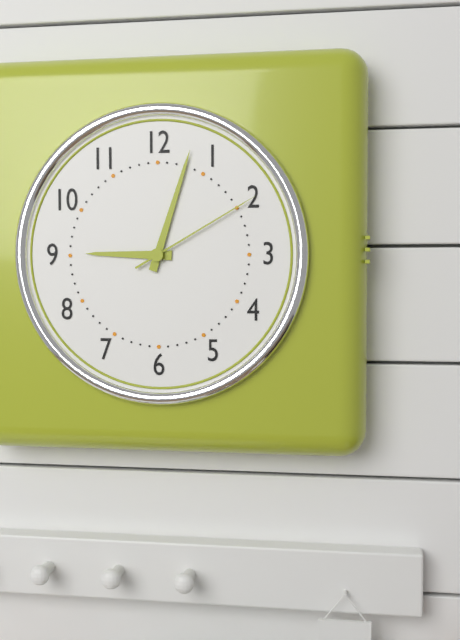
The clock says {"hour": 9, "minute": 3, "second": 10}
